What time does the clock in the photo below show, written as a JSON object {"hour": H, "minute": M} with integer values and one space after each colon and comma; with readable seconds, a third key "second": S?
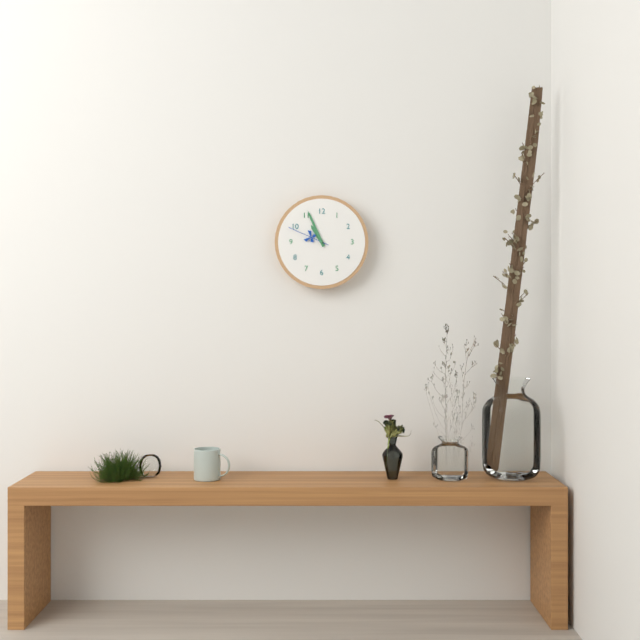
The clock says {"hour": 10, "minute": 56}
